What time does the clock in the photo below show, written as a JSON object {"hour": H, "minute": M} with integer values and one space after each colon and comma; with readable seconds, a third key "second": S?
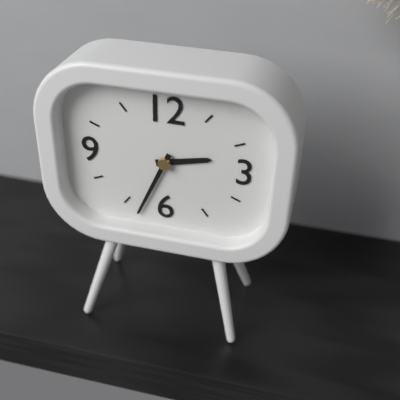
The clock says {"hour": 2, "minute": 34}
